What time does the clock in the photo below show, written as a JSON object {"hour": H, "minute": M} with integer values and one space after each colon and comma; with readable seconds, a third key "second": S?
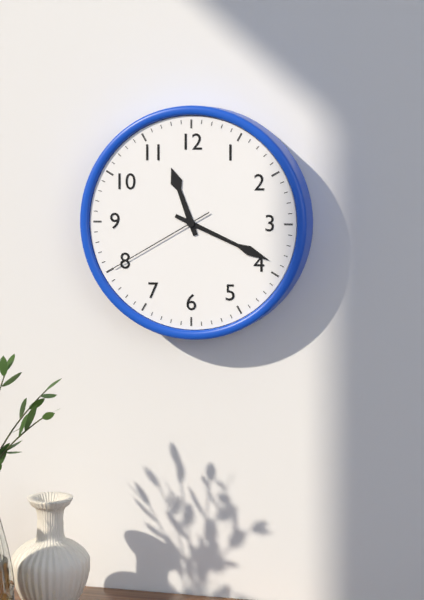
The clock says {"hour": 11, "minute": 19, "second": 40}
